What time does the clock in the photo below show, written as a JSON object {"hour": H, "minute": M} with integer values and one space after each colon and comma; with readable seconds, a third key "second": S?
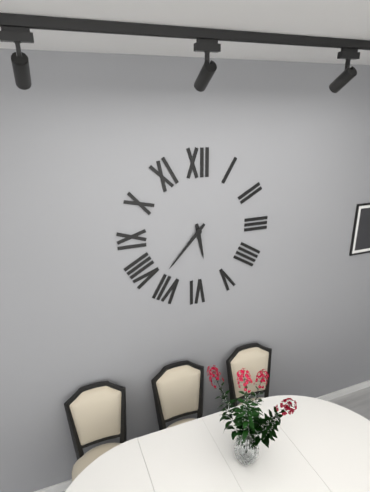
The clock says {"hour": 5, "minute": 37}
